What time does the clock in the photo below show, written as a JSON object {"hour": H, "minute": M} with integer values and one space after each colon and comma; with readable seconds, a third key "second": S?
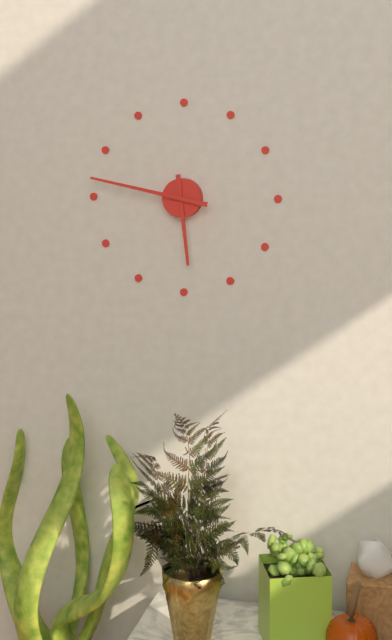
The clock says {"hour": 5, "minute": 47}
